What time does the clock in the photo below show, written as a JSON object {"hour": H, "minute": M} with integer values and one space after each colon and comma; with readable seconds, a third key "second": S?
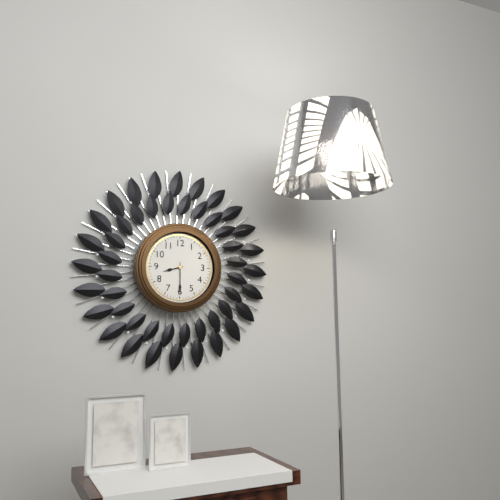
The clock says {"hour": 8, "minute": 30}
